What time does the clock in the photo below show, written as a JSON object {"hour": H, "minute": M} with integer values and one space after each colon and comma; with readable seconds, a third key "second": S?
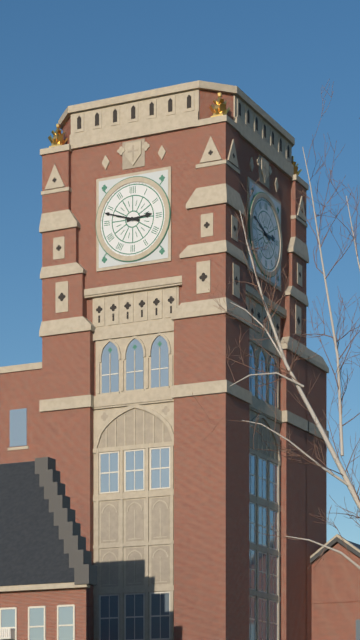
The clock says {"hour": 2, "minute": 48}
